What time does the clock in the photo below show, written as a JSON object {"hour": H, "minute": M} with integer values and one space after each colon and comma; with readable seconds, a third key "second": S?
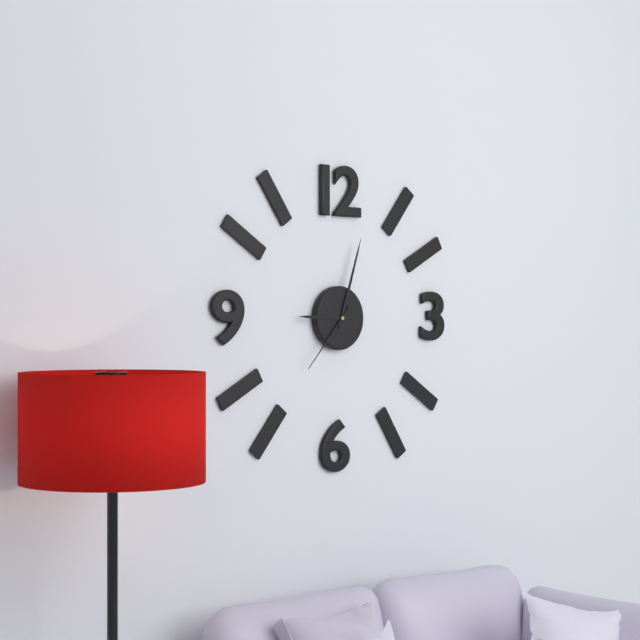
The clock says {"hour": 9, "minute": 3, "second": 37}
